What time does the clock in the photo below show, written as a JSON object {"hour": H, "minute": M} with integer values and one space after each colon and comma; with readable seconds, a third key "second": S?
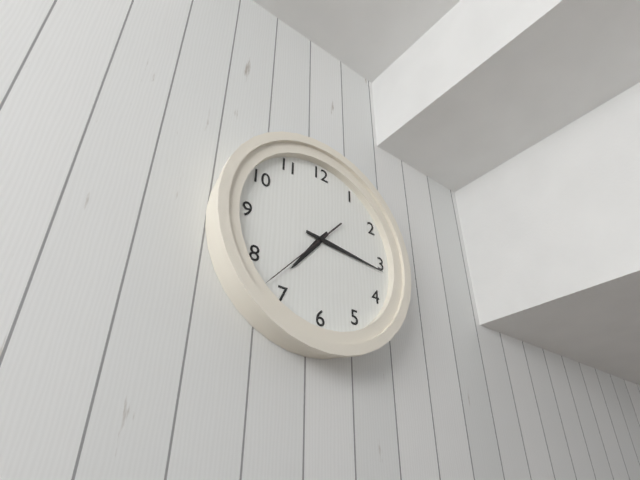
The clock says {"hour": 7, "minute": 16, "second": 37}
